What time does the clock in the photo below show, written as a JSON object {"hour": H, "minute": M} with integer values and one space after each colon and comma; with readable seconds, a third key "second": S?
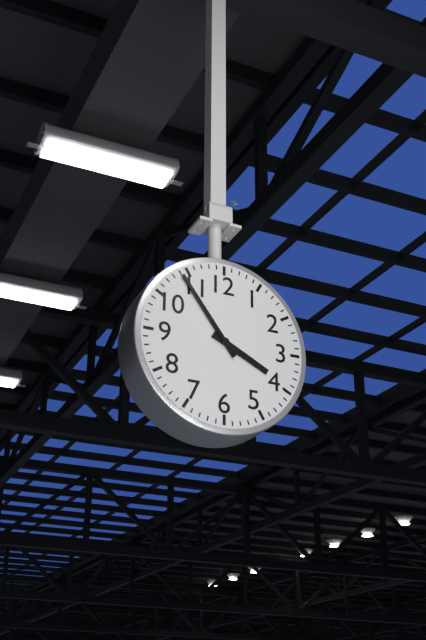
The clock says {"hour": 3, "minute": 54}
